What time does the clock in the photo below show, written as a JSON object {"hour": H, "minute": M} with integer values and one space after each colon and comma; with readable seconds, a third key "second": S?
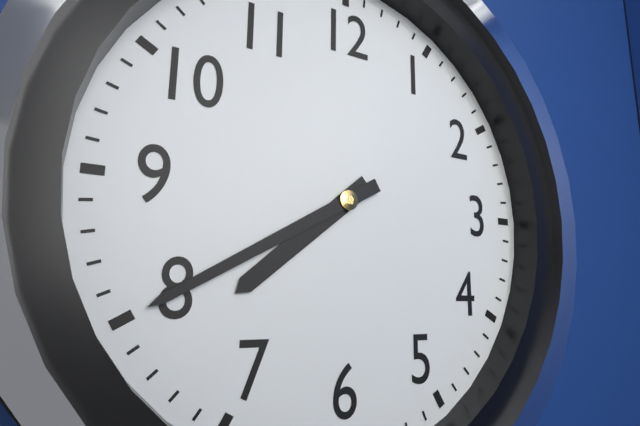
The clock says {"hour": 7, "minute": 40}
